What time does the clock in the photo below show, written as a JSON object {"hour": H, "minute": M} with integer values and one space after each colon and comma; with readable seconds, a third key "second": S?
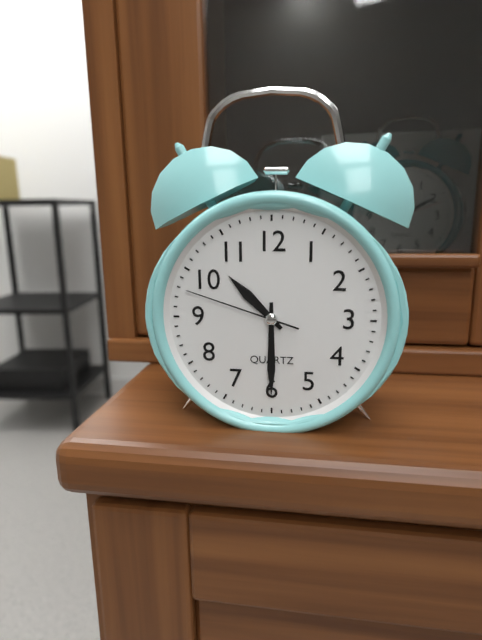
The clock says {"hour": 10, "minute": 30, "second": 48}
